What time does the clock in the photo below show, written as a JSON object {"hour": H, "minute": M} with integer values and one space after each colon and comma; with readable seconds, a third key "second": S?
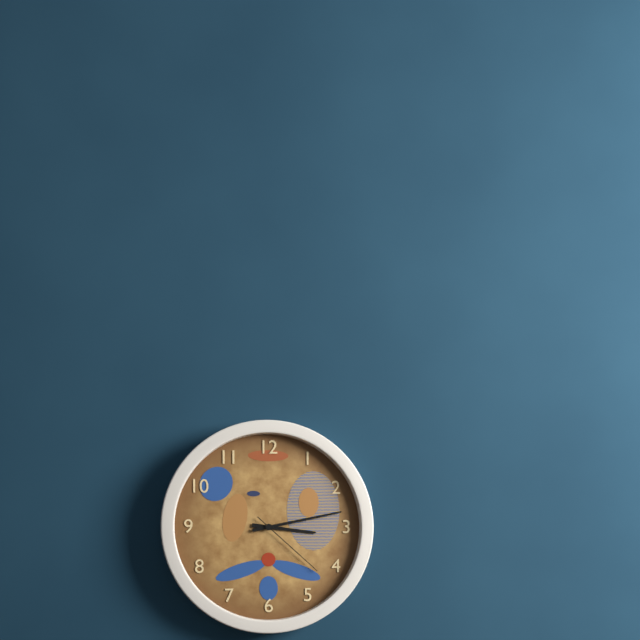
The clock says {"hour": 3, "minute": 13, "second": 22}
